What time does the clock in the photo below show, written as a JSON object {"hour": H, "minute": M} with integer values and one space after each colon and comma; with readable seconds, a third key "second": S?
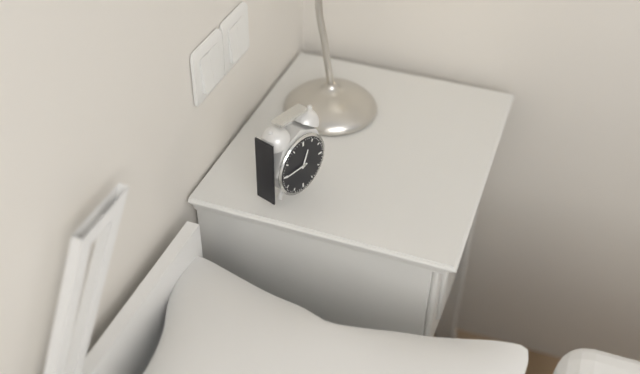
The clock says {"hour": 12, "minute": 45}
